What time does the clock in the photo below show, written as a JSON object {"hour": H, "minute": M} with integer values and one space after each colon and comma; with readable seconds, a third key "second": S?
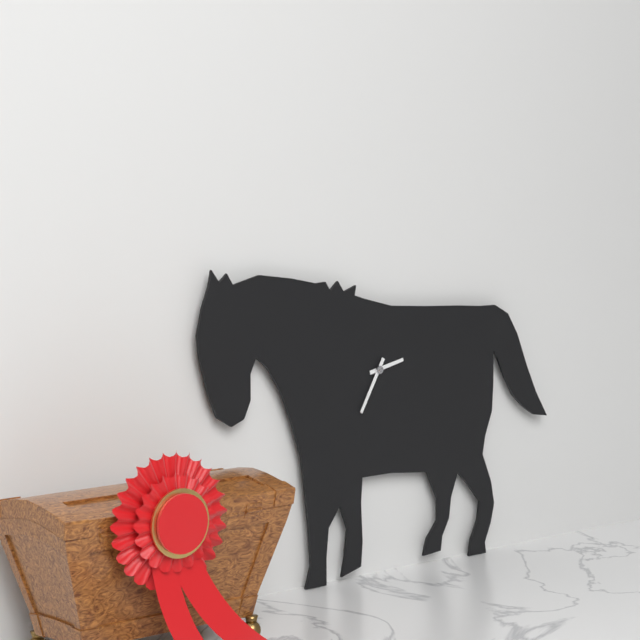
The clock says {"hour": 2, "minute": 35}
